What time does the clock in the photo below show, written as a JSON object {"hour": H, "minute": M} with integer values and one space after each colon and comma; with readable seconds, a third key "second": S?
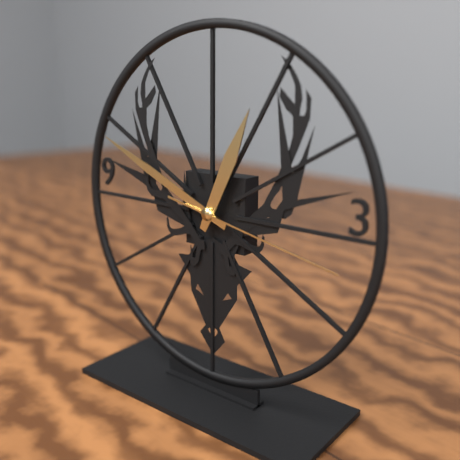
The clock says {"hour": 12, "minute": 49, "second": 17}
